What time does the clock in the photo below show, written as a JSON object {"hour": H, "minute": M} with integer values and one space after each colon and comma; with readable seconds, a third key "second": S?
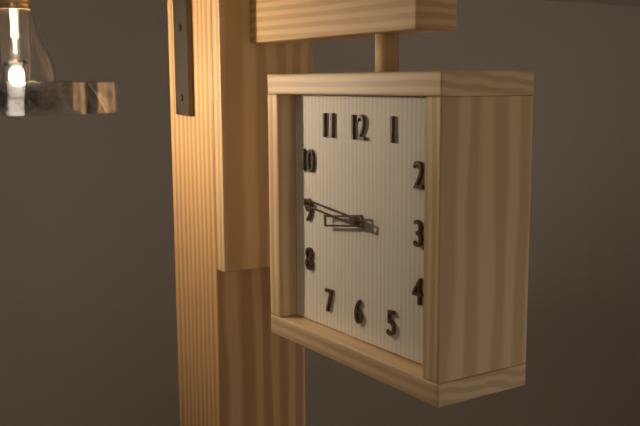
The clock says {"hour": 8, "minute": 46}
